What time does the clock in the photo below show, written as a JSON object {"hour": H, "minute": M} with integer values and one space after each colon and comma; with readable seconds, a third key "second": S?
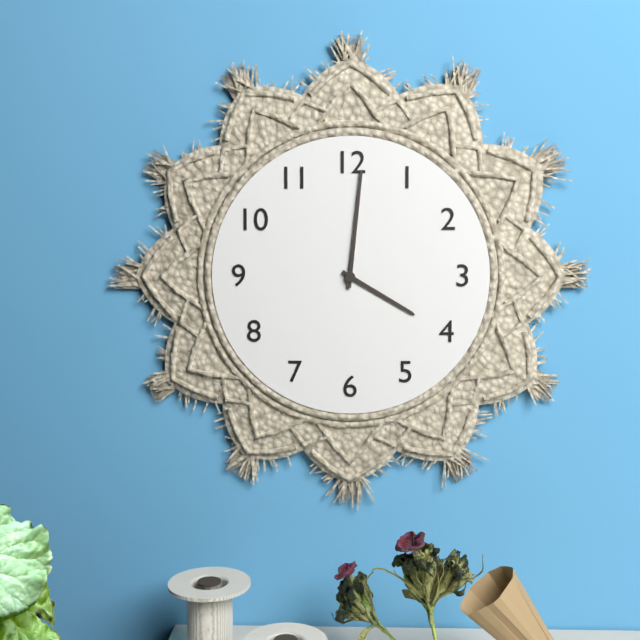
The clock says {"hour": 4, "minute": 1}
